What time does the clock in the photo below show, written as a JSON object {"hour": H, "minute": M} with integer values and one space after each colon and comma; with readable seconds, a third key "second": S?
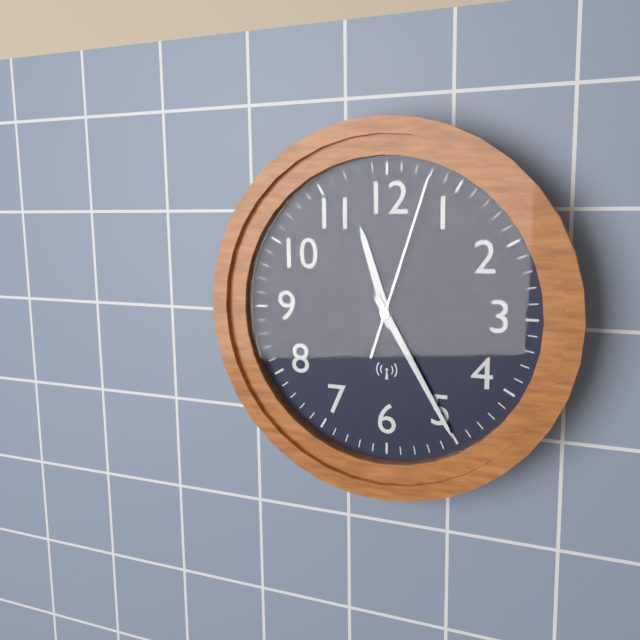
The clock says {"hour": 11, "minute": 25, "second": 3}
